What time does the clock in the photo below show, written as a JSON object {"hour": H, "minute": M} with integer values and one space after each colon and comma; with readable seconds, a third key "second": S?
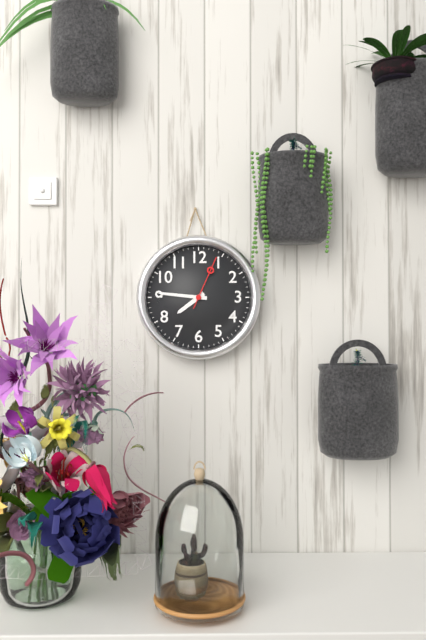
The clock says {"hour": 7, "minute": 46, "second": 4}
